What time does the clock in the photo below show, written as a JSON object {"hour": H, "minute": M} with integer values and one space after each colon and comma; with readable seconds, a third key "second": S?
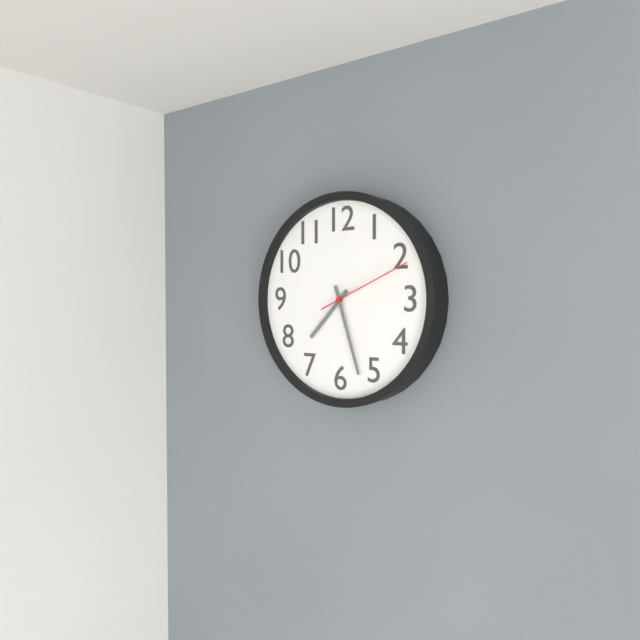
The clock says {"hour": 7, "minute": 27, "second": 11}
